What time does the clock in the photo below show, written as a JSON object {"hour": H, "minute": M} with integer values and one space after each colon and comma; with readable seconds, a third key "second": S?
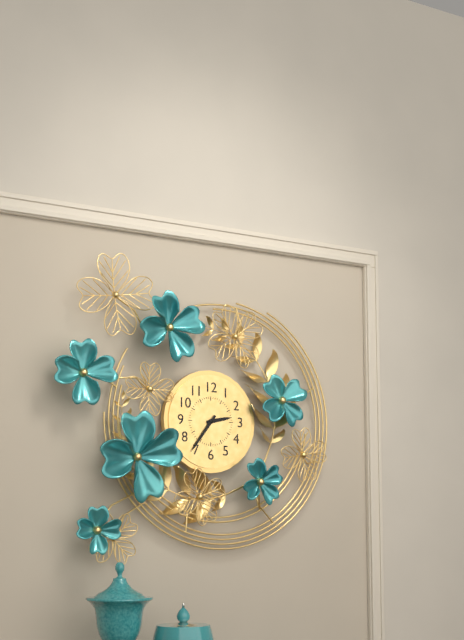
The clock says {"hour": 2, "minute": 36}
